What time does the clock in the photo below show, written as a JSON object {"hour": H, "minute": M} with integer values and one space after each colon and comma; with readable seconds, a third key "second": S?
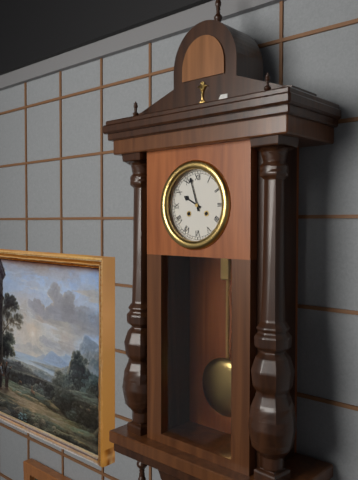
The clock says {"hour": 9, "minute": 57}
